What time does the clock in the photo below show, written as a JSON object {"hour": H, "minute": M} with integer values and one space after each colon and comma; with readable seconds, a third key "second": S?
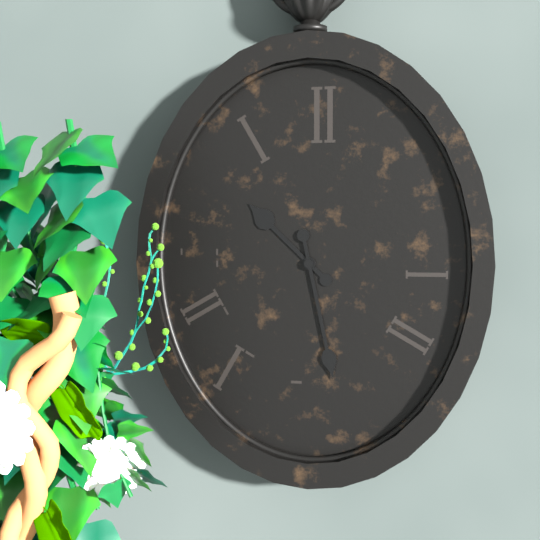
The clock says {"hour": 10, "minute": 28}
